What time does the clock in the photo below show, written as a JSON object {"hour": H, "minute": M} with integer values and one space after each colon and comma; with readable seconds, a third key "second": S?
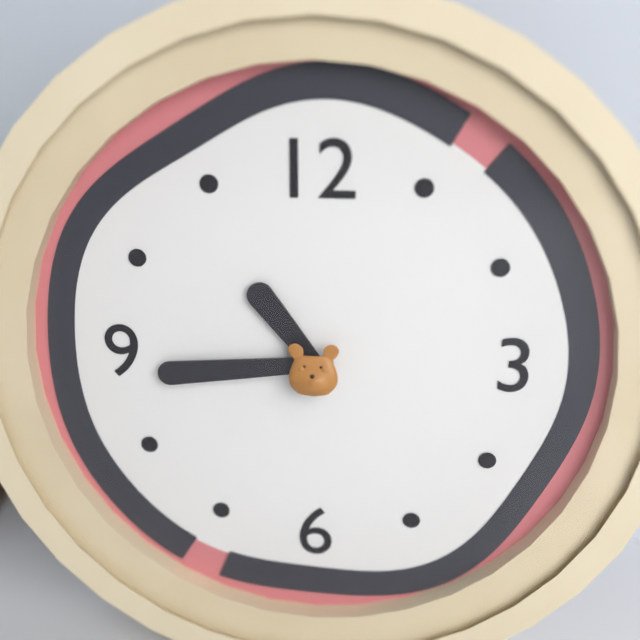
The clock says {"hour": 10, "minute": 44}
